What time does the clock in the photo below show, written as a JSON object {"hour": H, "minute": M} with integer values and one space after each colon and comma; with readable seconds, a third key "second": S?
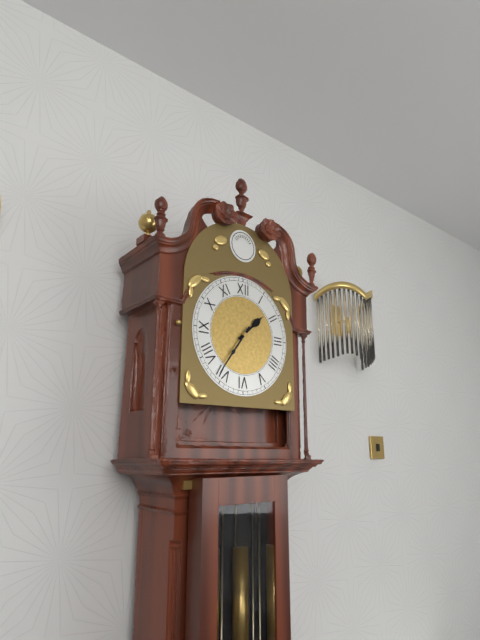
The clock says {"hour": 1, "minute": 36}
